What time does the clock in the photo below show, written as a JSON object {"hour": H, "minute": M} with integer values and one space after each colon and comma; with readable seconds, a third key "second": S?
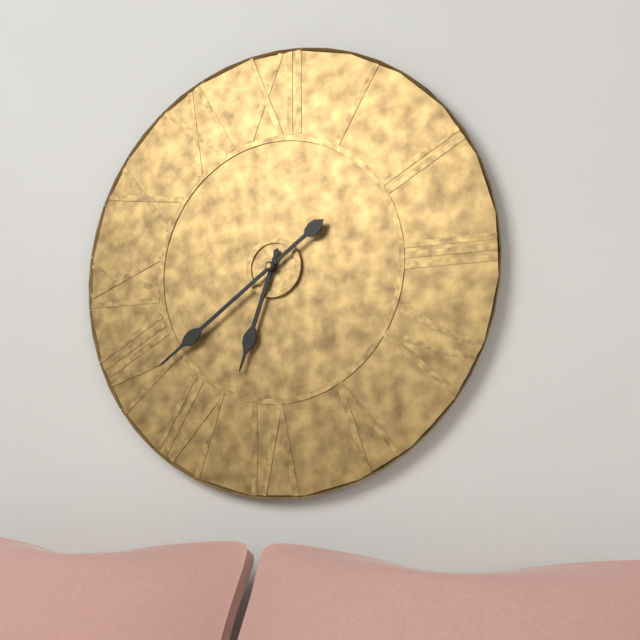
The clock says {"hour": 6, "minute": 39}
